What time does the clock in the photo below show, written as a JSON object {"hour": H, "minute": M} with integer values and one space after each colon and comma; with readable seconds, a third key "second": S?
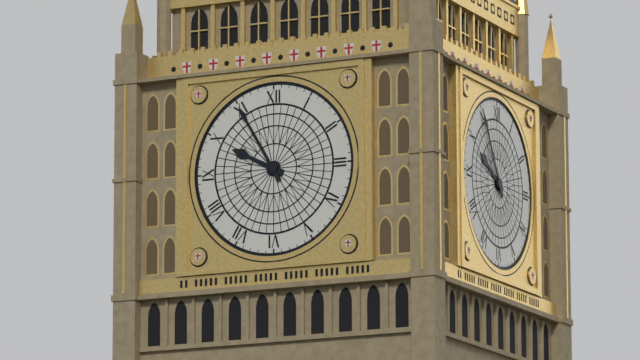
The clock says {"hour": 9, "minute": 55}
